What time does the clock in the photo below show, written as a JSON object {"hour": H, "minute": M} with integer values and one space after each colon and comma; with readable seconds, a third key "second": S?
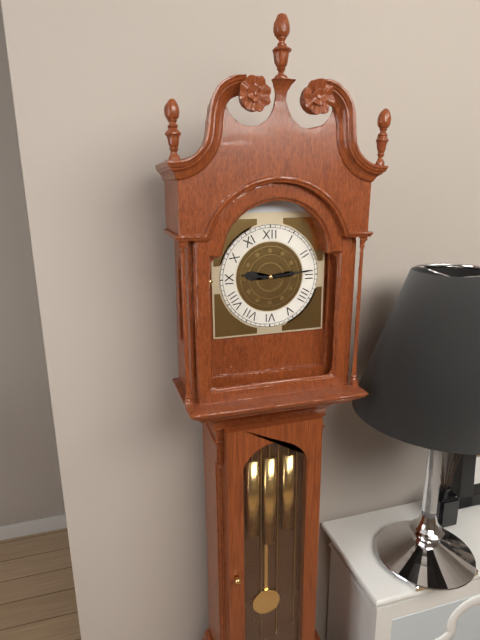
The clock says {"hour": 9, "minute": 14}
